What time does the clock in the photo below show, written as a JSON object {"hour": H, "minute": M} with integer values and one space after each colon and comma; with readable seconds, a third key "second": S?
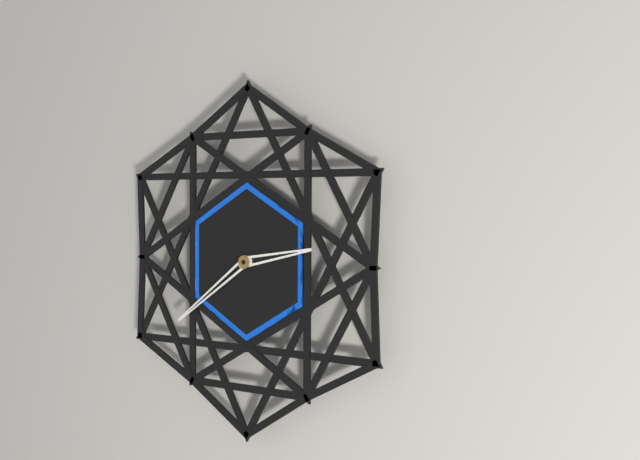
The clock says {"hour": 2, "minute": 39}
